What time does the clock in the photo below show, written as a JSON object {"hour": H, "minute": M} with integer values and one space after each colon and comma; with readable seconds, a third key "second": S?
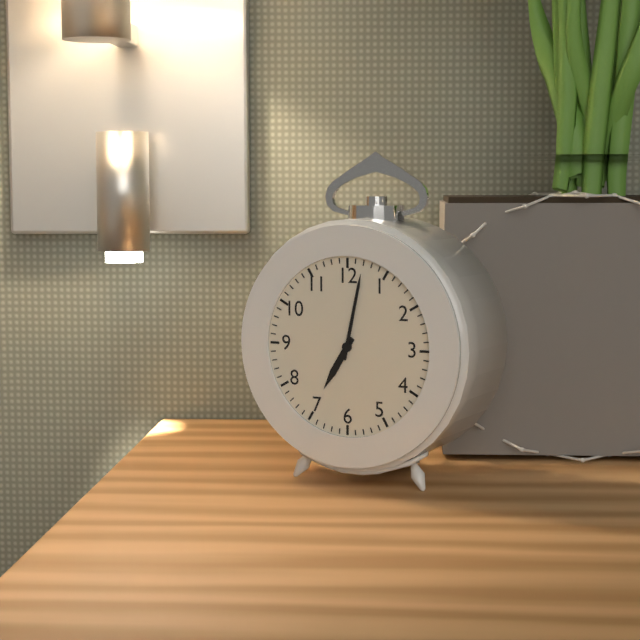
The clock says {"hour": 7, "minute": 2}
